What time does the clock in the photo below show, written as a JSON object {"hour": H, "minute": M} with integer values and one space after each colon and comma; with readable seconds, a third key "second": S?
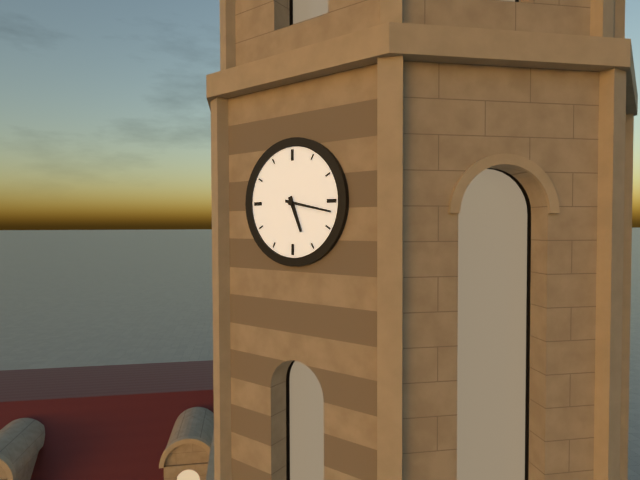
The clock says {"hour": 5, "minute": 17}
